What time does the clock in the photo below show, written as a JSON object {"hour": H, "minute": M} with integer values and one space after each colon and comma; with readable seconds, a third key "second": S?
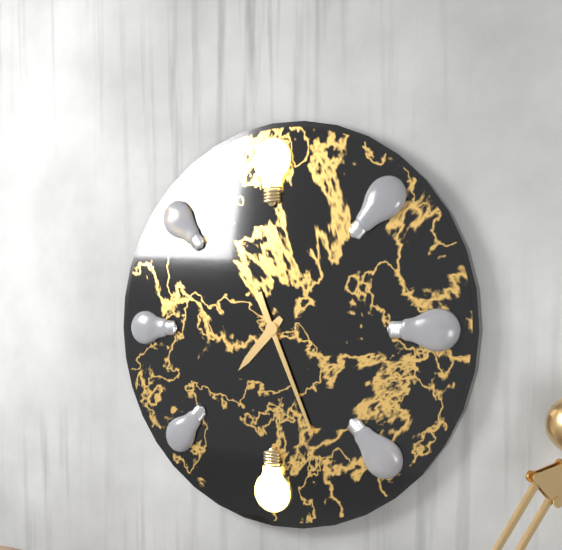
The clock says {"hour": 7, "minute": 26}
